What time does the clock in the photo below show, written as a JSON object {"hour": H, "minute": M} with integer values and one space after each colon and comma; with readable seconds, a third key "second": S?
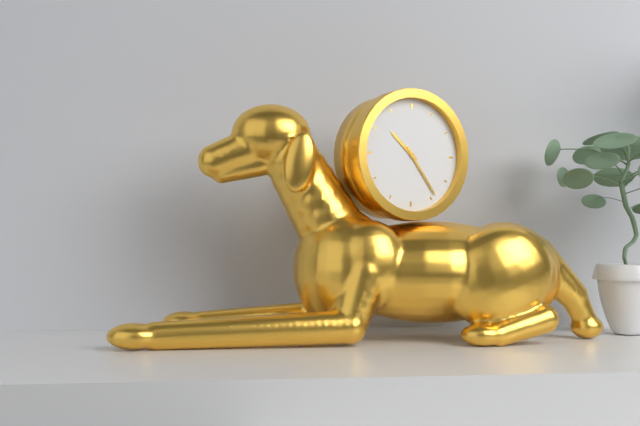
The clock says {"hour": 10, "minute": 24}
